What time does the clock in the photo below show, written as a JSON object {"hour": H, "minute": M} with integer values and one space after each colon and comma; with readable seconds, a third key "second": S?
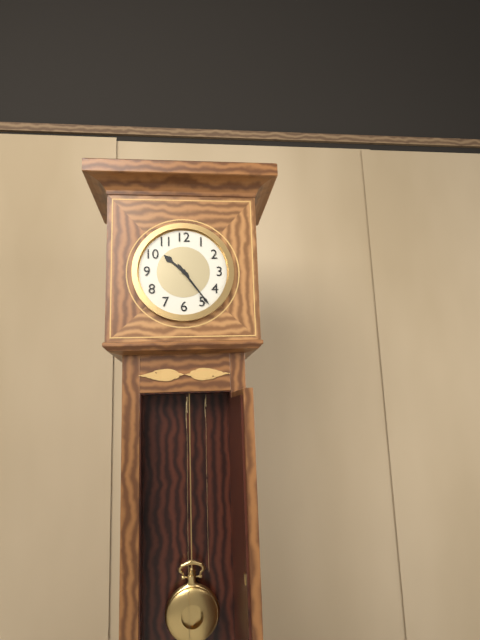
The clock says {"hour": 10, "minute": 24}
